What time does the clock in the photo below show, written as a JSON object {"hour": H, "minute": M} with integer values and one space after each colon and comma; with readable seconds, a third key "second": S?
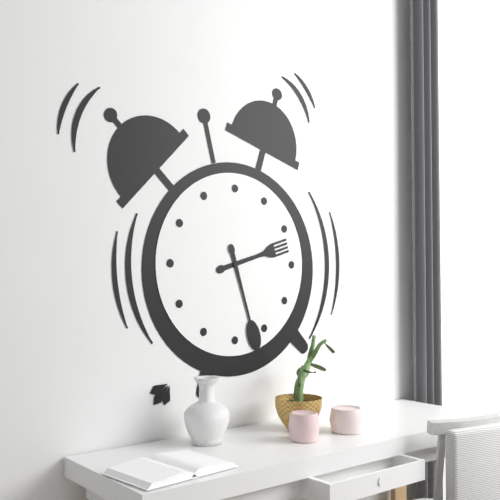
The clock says {"hour": 2, "minute": 27}
